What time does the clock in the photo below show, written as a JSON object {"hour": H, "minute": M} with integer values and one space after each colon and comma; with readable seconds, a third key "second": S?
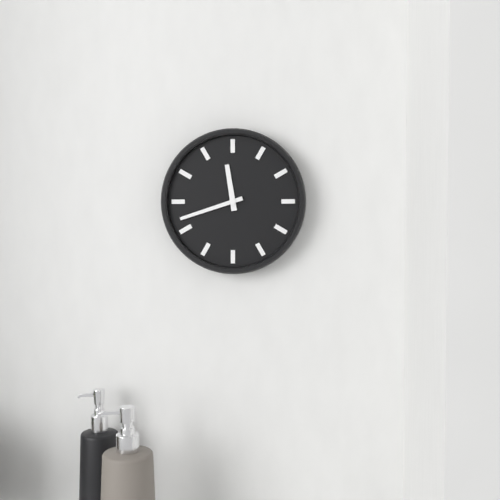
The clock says {"hour": 11, "minute": 42}
